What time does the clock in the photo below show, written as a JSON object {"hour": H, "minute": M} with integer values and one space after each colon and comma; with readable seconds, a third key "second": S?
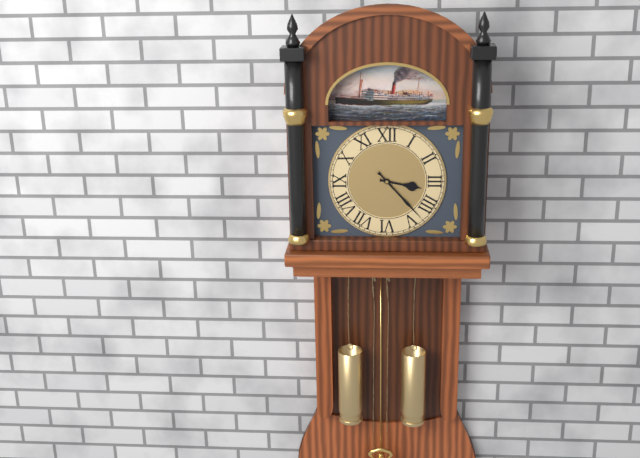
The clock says {"hour": 3, "minute": 23}
